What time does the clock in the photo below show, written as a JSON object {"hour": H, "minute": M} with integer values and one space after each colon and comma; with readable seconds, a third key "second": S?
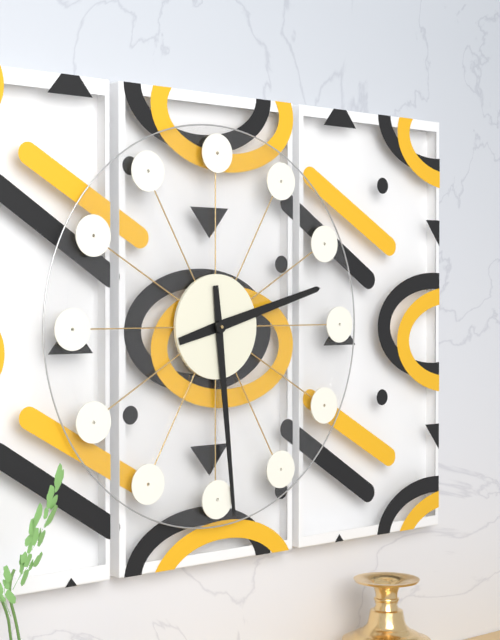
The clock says {"hour": 2, "minute": 29}
